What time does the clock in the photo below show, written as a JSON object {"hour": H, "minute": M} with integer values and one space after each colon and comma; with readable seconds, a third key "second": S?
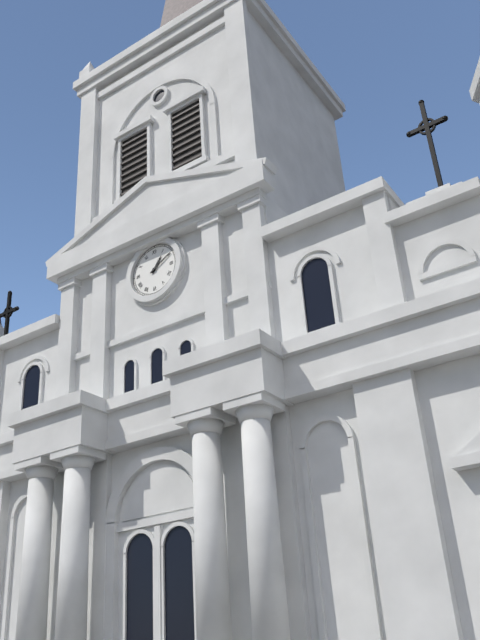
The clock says {"hour": 1, "minute": 10}
